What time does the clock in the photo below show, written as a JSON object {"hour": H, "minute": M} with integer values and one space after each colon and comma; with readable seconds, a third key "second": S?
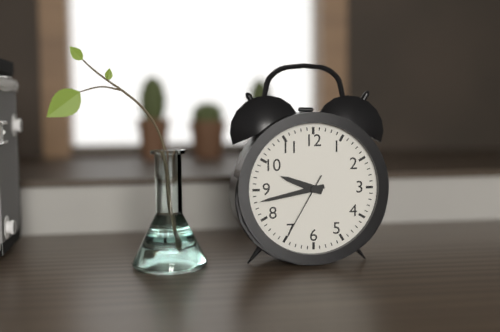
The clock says {"hour": 9, "minute": 43, "second": 35}
